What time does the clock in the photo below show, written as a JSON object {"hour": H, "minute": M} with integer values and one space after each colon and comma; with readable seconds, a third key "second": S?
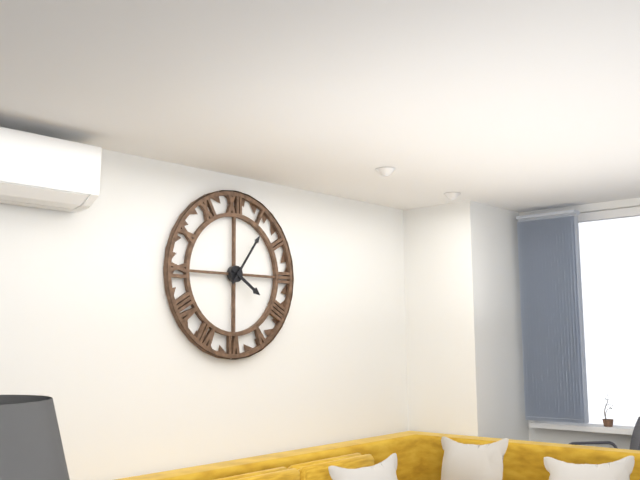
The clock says {"hour": 4, "minute": 6}
